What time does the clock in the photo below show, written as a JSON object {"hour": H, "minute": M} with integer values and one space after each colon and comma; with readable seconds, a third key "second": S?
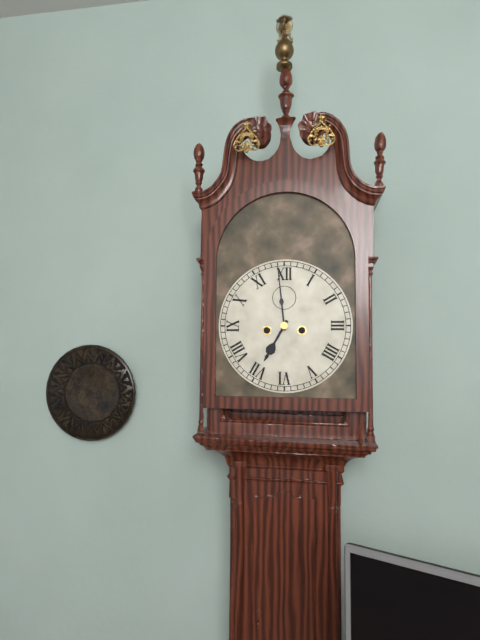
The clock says {"hour": 6, "minute": 59}
